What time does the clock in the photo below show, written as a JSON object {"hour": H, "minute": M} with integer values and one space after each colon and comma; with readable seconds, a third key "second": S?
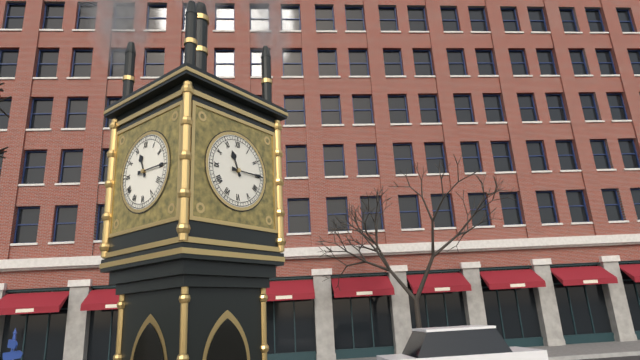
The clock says {"hour": 11, "minute": 15}
